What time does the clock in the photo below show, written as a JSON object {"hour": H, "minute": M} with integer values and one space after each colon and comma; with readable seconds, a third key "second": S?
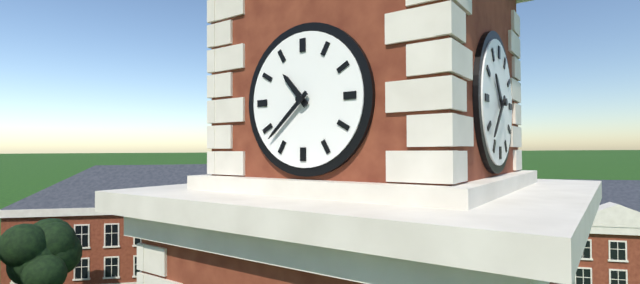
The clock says {"hour": 10, "minute": 38}
